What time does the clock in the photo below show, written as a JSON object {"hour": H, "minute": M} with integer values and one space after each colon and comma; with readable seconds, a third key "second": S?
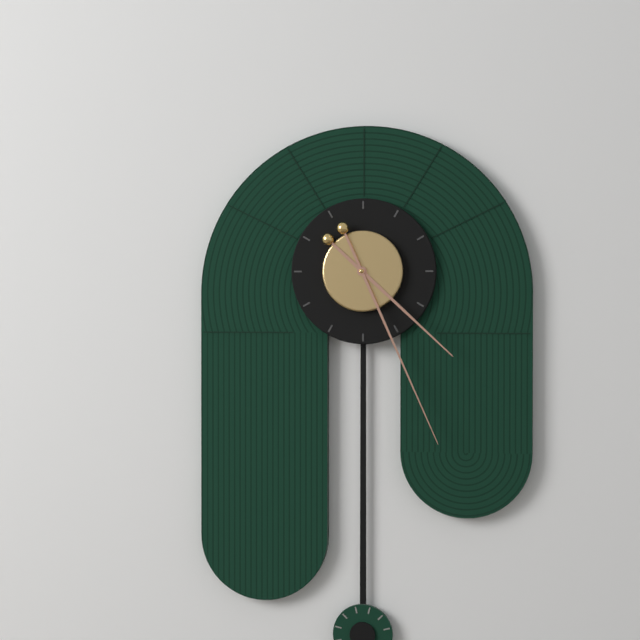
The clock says {"hour": 4, "minute": 26}
